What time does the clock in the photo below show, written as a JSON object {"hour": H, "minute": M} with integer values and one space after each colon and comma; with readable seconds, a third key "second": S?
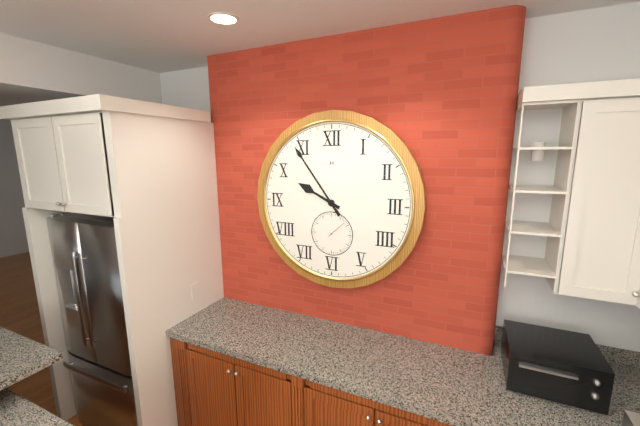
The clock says {"hour": 9, "minute": 54}
